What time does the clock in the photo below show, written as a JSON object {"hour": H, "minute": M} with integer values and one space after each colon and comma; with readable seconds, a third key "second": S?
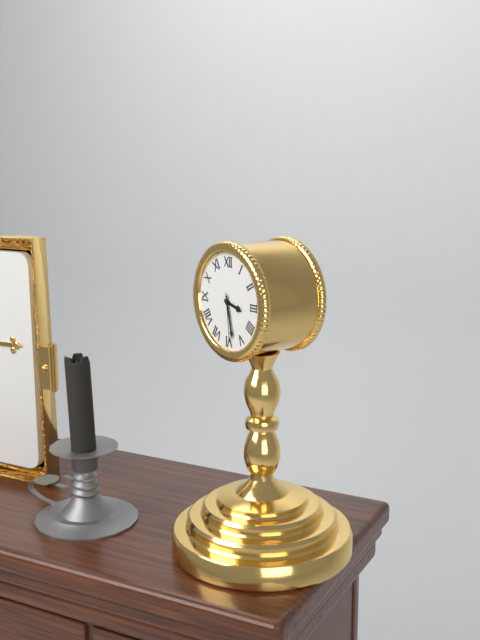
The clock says {"hour": 3, "minute": 28, "second": 29}
